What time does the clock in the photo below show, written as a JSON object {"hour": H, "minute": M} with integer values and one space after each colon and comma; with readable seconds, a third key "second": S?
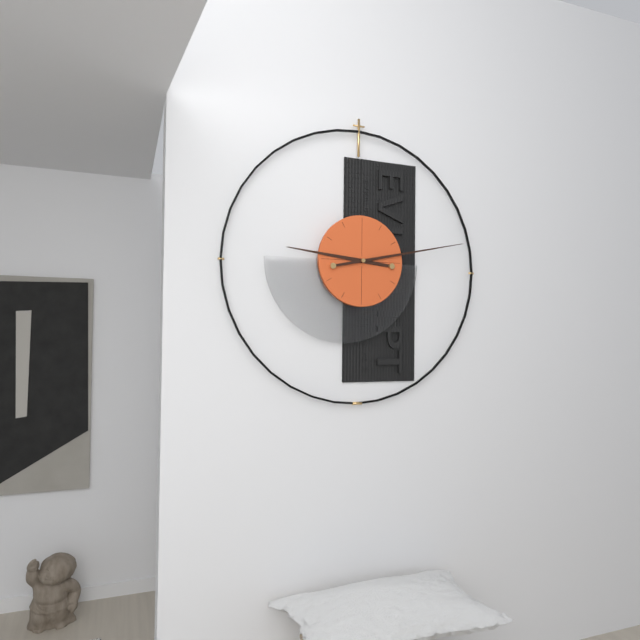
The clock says {"hour": 9, "minute": 13}
